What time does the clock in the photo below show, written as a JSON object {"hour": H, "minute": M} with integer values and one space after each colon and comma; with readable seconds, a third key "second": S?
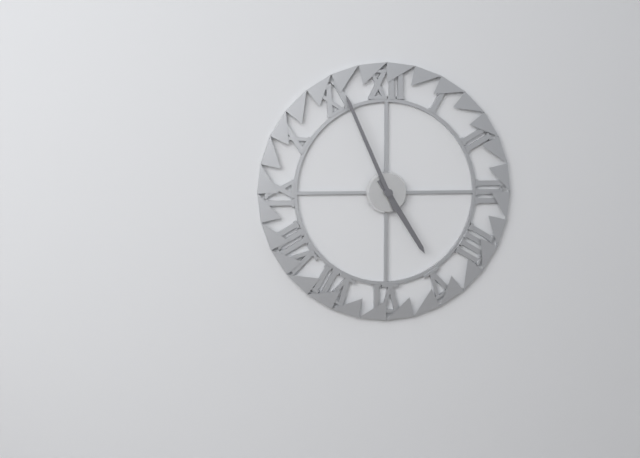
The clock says {"hour": 4, "minute": 56}
